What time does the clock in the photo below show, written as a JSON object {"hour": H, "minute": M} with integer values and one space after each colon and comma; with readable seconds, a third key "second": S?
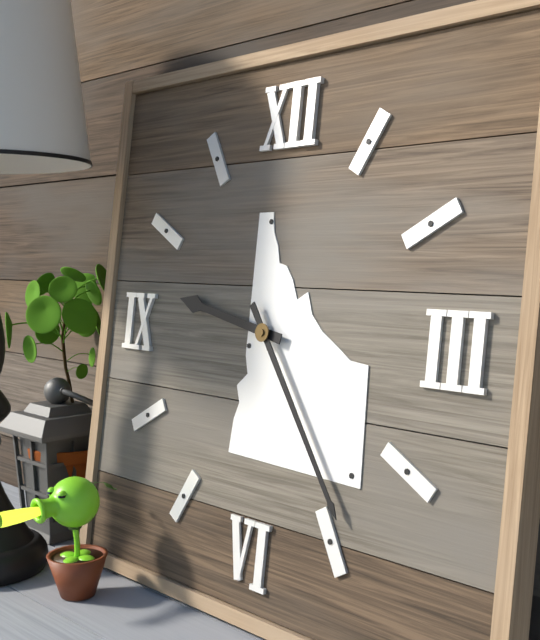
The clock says {"hour": 9, "minute": 24}
